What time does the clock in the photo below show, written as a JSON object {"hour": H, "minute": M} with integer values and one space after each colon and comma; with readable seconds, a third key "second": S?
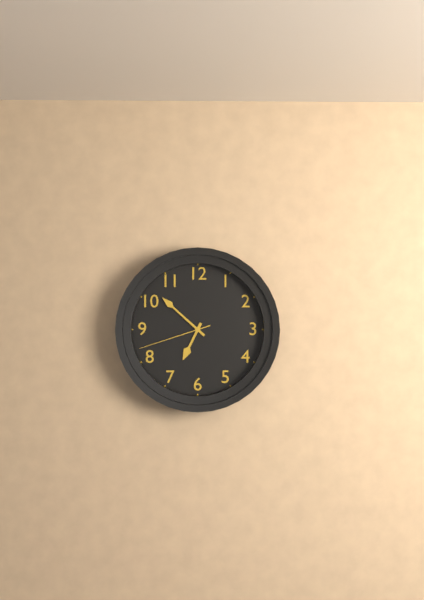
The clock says {"hour": 6, "minute": 52, "second": 42}
